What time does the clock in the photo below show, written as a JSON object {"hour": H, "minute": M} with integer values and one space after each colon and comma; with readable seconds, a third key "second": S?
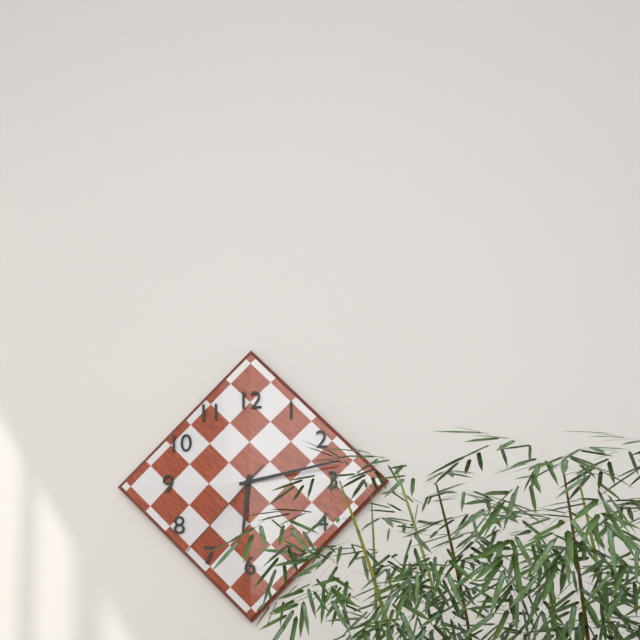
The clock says {"hour": 6, "minute": 13, "second": 37}
